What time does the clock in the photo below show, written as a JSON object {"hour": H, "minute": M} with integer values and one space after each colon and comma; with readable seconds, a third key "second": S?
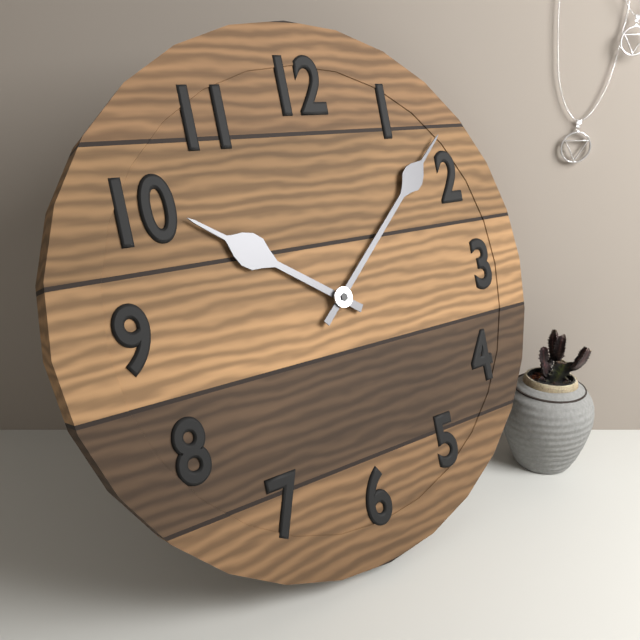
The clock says {"hour": 10, "minute": 8}
